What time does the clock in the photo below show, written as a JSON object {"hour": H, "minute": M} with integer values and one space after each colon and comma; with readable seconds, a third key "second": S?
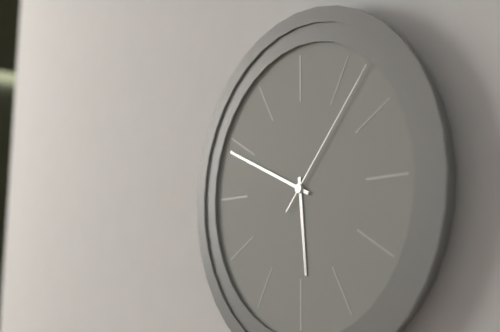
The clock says {"hour": 5, "minute": 49, "second": 7}
